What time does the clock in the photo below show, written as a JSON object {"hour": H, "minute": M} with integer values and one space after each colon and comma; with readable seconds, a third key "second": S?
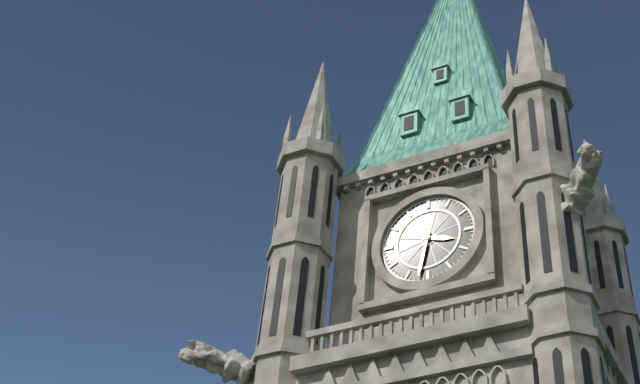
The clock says {"hour": 3, "minute": 32}
